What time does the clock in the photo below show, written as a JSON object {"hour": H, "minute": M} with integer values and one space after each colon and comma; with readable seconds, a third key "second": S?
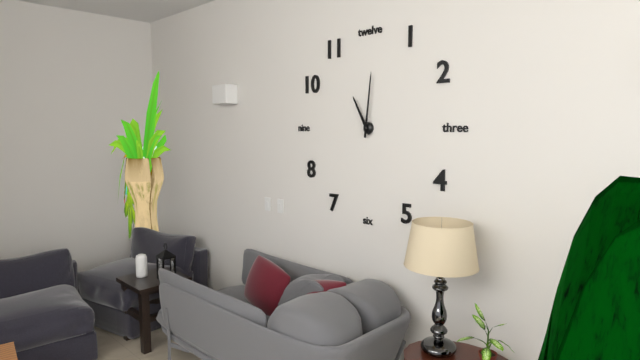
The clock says {"hour": 11, "minute": 1}
